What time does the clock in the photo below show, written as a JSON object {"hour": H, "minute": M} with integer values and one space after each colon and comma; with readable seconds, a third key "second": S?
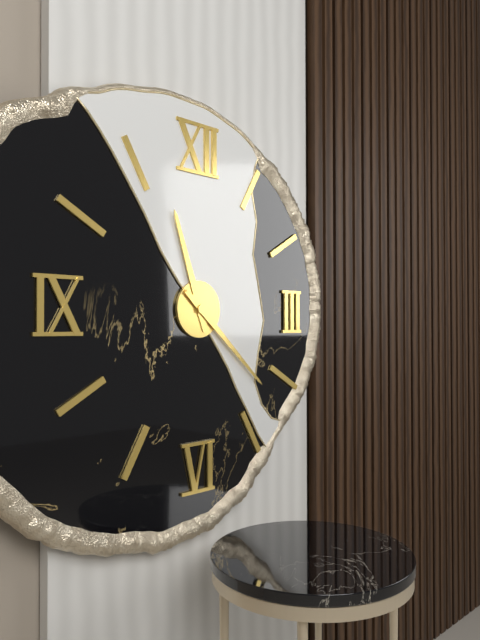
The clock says {"hour": 11, "minute": 22}
